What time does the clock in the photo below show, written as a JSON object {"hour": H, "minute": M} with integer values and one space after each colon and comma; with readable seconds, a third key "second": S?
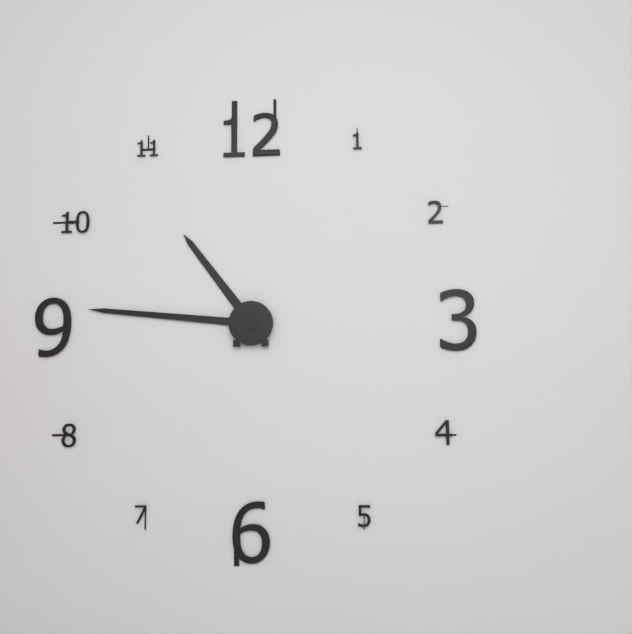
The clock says {"hour": 10, "minute": 46}
